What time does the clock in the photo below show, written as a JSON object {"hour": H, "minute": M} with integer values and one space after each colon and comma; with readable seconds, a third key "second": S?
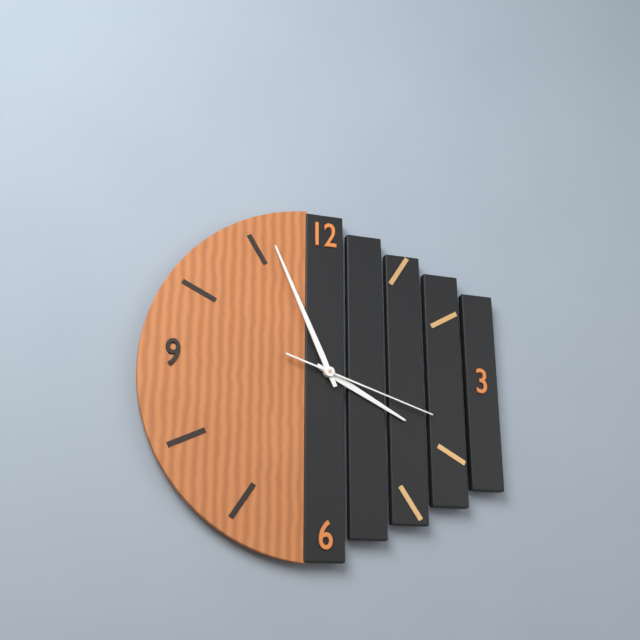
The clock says {"hour": 3, "minute": 56, "second": 18}
